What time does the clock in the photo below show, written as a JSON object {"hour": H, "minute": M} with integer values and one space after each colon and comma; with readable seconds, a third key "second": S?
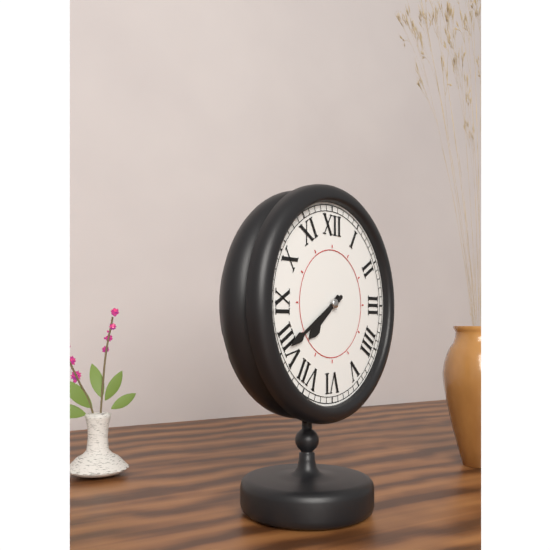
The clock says {"hour": 7, "minute": 40}
